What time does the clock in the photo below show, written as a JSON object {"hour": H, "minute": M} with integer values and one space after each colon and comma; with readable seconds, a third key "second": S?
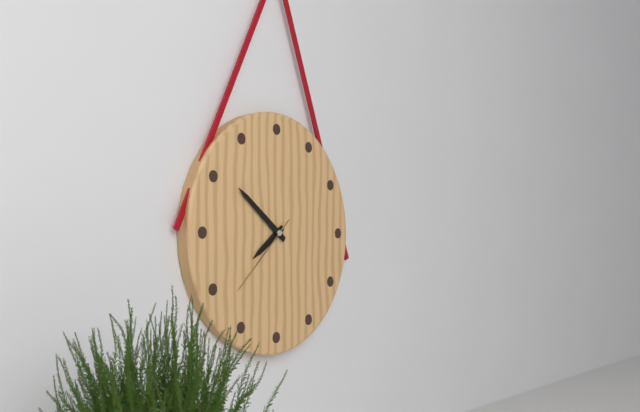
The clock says {"hour": 7, "minute": 51, "second": 38}
